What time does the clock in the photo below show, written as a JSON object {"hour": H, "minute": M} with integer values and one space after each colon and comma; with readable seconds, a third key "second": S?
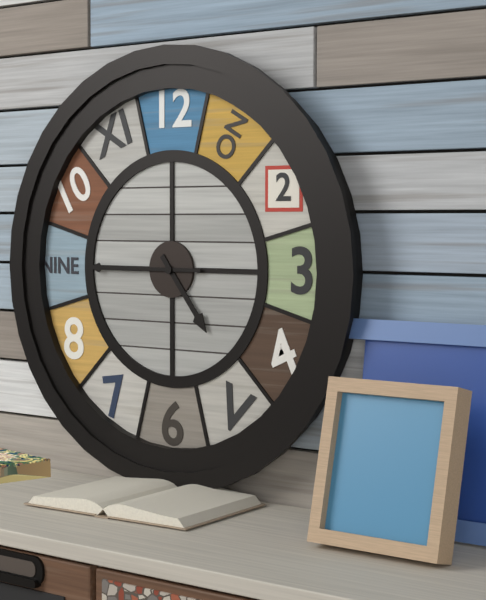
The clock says {"hour": 4, "minute": 45}
